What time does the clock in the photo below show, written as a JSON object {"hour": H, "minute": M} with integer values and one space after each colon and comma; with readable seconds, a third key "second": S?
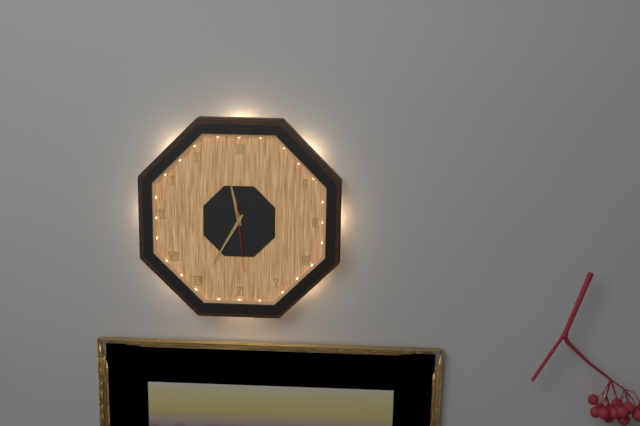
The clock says {"hour": 11, "minute": 35, "second": 29}
